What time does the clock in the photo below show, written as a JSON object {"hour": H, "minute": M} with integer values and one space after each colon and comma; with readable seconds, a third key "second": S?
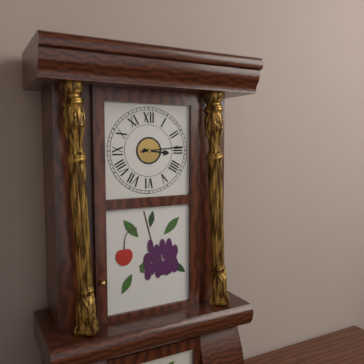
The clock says {"hour": 3, "minute": 14}
